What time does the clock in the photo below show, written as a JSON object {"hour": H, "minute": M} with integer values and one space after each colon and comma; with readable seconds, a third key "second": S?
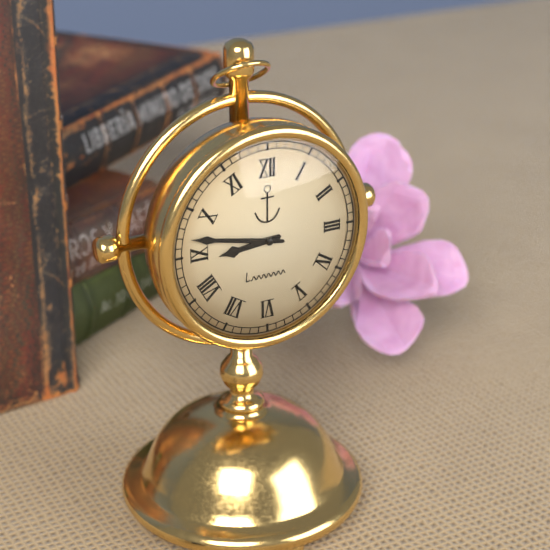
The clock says {"hour": 8, "minute": 47}
